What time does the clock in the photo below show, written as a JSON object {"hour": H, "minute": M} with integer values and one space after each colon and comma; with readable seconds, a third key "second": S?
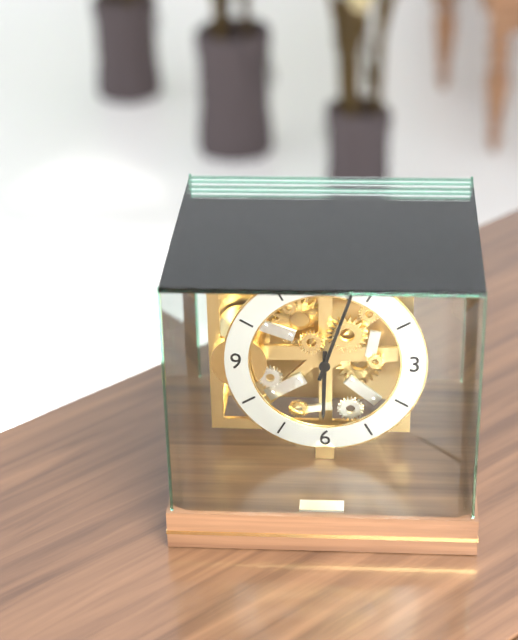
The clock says {"hour": 6, "minute": 3}
